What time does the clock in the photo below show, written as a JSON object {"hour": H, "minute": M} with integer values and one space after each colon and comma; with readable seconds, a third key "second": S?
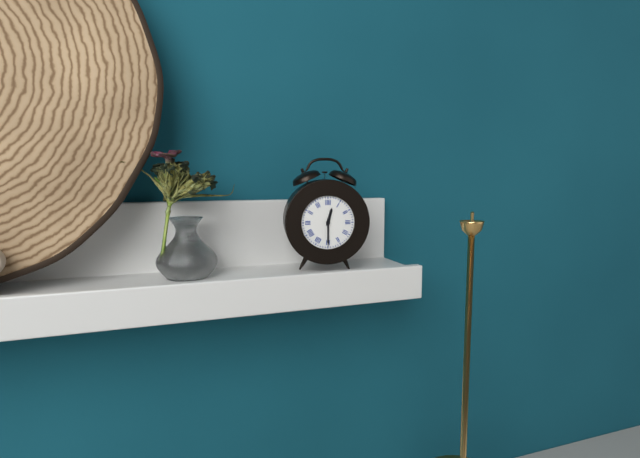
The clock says {"hour": 12, "minute": 30}
